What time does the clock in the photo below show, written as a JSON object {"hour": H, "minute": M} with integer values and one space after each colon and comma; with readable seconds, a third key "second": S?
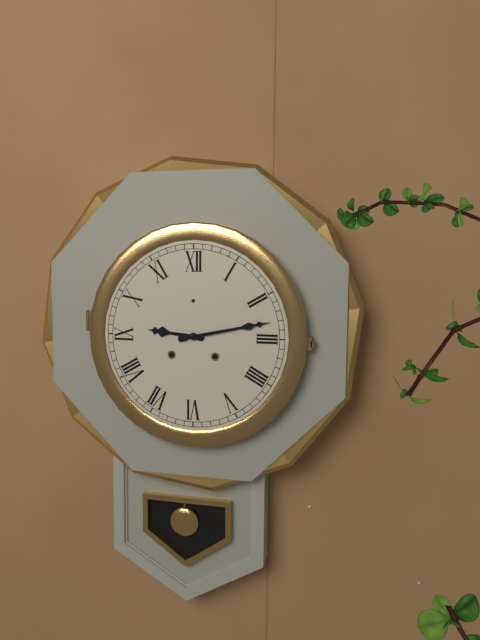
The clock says {"hour": 9, "minute": 13}
